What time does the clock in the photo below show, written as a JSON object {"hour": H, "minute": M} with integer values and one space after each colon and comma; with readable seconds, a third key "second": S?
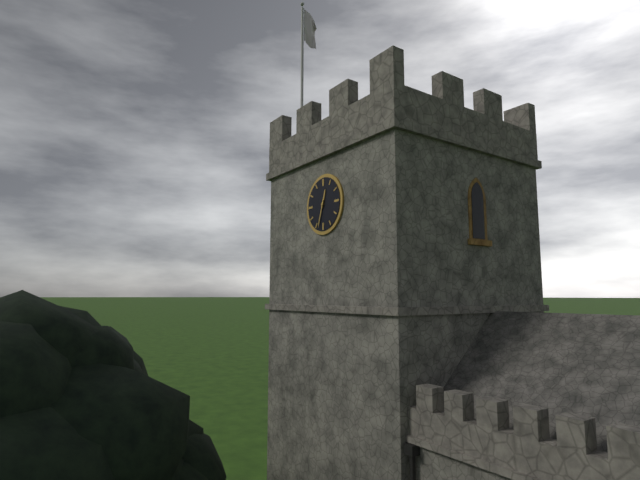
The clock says {"hour": 12, "minute": 33}
